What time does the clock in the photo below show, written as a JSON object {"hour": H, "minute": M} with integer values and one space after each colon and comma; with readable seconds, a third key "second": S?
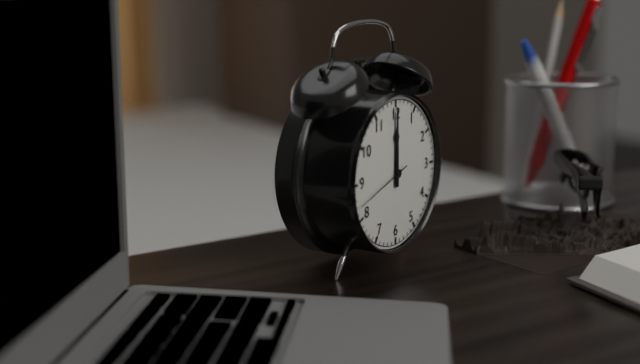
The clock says {"hour": 12, "minute": 0, "second": 42}
